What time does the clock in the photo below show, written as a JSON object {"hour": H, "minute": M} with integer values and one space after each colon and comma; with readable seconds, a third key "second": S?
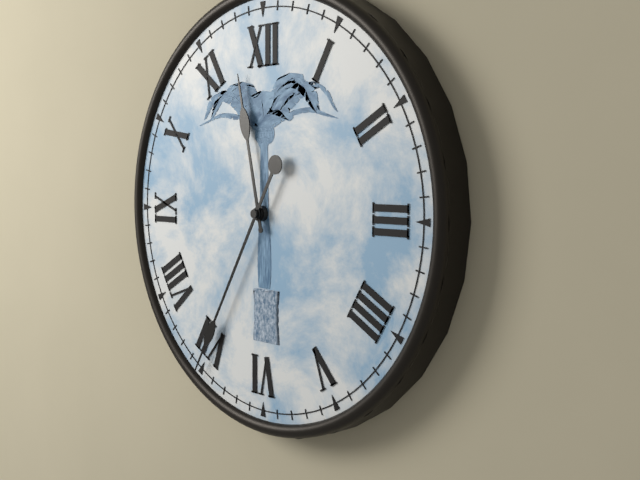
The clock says {"hour": 11, "minute": 35}
